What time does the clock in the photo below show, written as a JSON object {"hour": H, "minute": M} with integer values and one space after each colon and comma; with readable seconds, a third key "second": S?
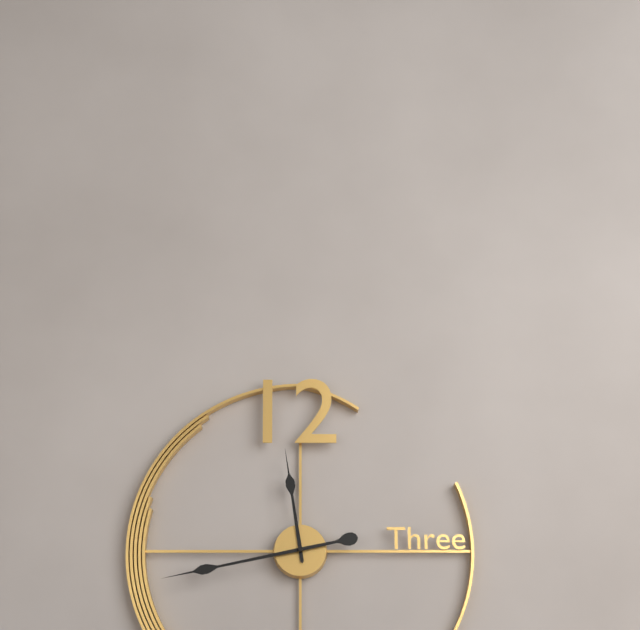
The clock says {"hour": 11, "minute": 43}
